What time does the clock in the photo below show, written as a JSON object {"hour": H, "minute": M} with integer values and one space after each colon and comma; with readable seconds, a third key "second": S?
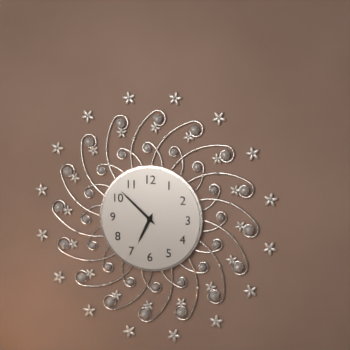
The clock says {"hour": 6, "minute": 52}
